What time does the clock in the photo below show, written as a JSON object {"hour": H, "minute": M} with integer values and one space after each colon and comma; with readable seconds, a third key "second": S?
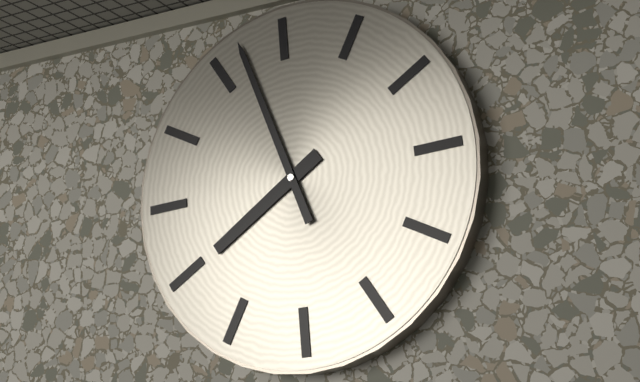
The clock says {"hour": 7, "minute": 57}
